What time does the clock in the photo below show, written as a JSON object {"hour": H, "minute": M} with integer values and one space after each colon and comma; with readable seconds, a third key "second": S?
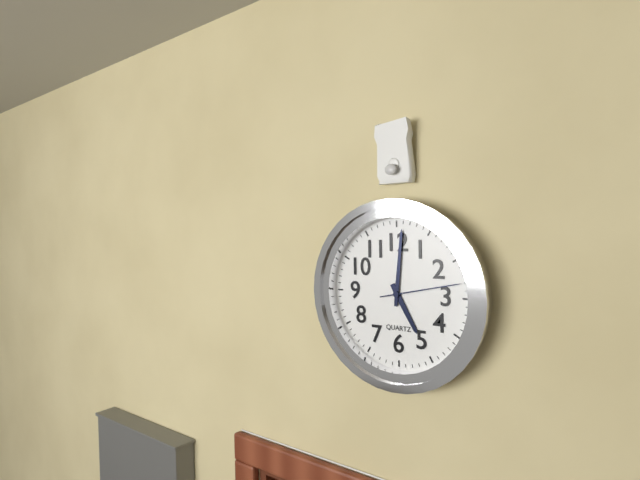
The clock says {"hour": 5, "minute": 1, "second": 13}
